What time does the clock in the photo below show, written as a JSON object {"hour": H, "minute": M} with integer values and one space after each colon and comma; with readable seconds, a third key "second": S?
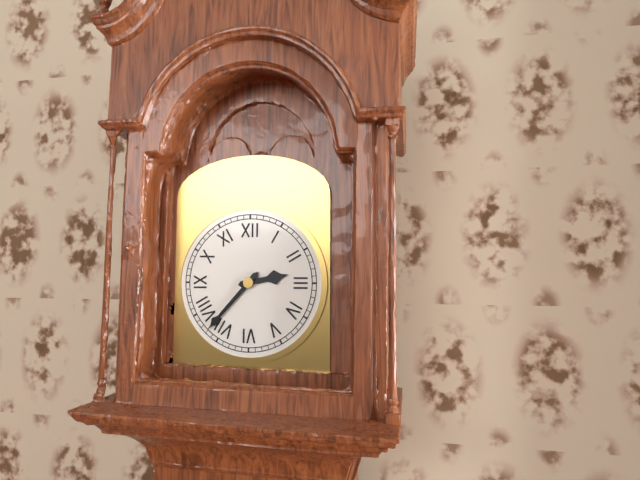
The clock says {"hour": 2, "minute": 37}
